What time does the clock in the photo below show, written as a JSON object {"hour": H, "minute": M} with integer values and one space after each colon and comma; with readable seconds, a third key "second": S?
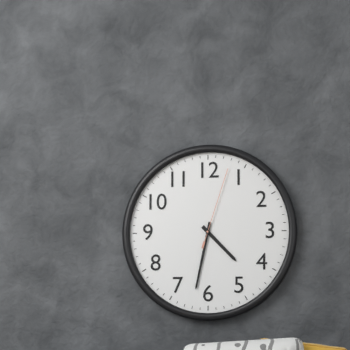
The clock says {"hour": 4, "minute": 32, "second": 3}
